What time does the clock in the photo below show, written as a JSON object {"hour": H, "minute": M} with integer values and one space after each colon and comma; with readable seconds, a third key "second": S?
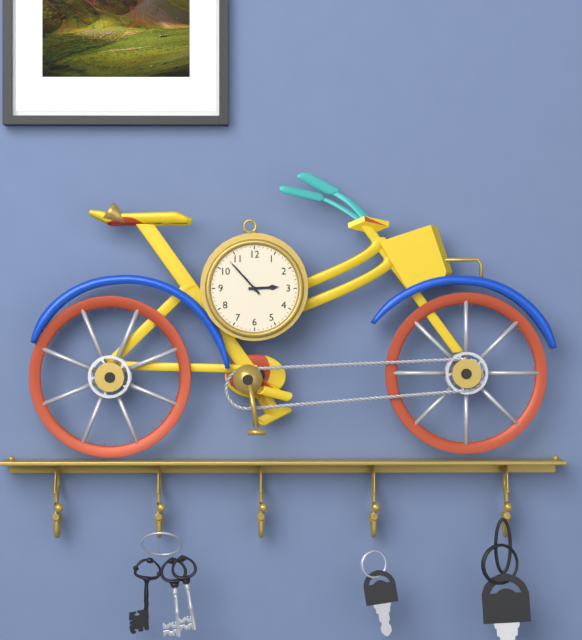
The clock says {"hour": 2, "minute": 53}
